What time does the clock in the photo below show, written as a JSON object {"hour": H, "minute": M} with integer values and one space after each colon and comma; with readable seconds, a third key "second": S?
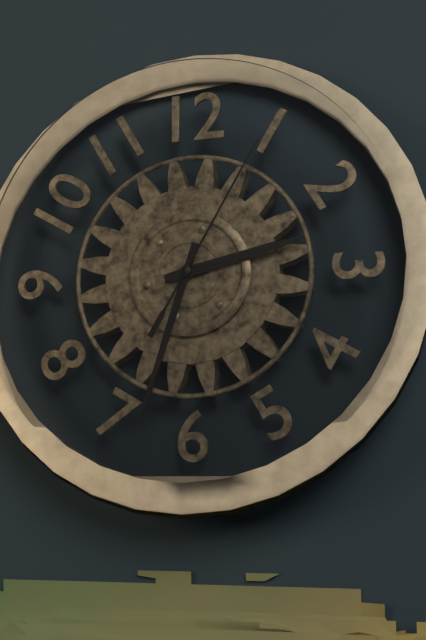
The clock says {"hour": 2, "minute": 33, "second": 5}
